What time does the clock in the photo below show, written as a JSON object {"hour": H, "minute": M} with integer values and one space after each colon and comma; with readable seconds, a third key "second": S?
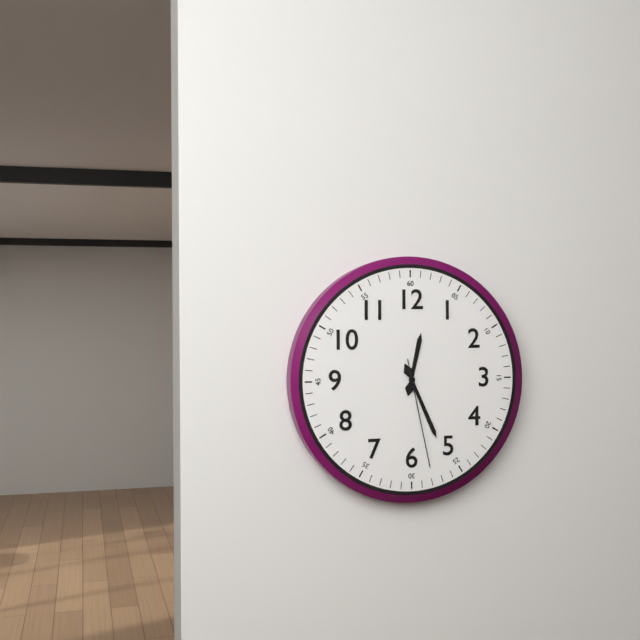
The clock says {"hour": 12, "minute": 26, "second": 28}
